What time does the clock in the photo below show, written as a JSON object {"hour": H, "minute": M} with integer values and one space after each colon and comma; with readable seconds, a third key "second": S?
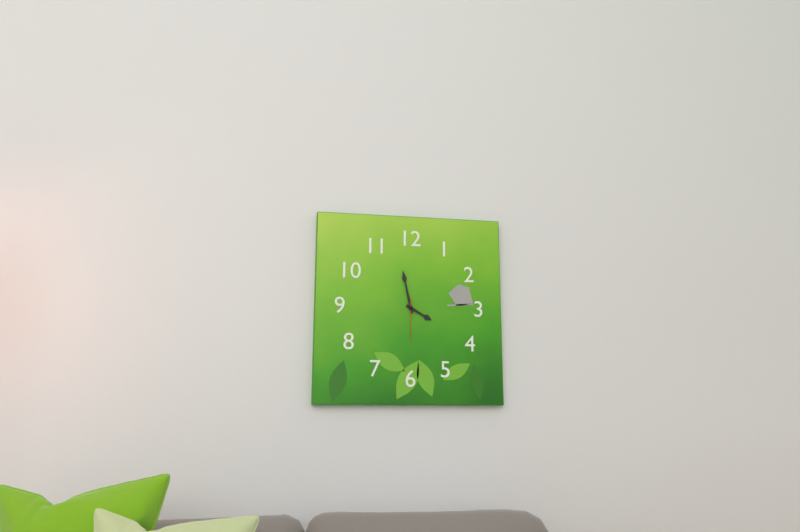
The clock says {"hour": 3, "minute": 58}
